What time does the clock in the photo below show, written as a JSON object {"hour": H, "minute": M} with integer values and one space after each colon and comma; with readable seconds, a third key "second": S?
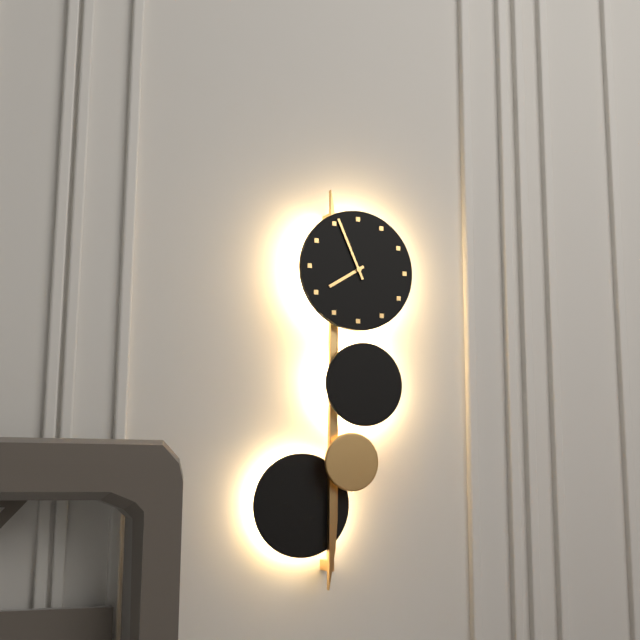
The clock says {"hour": 7, "minute": 56}
